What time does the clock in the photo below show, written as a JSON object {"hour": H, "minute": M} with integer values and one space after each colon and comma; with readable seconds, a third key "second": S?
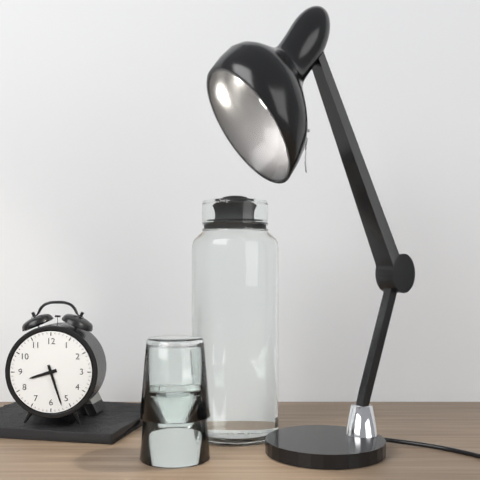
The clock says {"hour": 8, "minute": 27}
